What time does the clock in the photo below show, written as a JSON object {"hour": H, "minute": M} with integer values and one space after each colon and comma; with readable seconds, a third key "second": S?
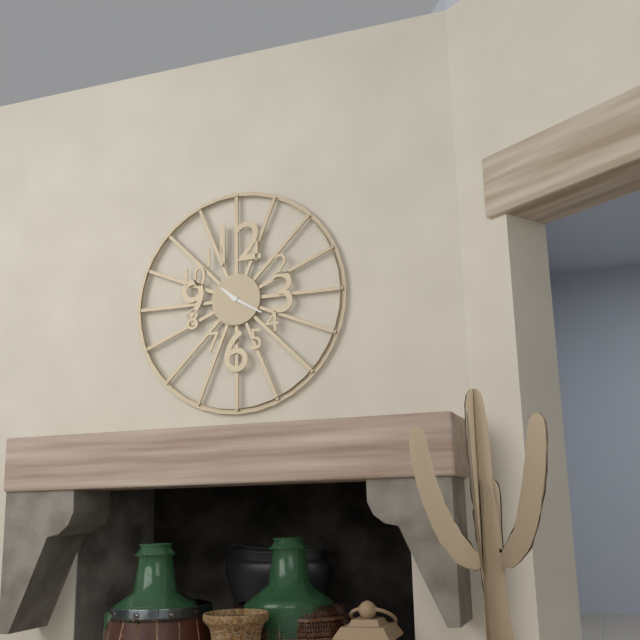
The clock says {"hour": 10, "minute": 20}
